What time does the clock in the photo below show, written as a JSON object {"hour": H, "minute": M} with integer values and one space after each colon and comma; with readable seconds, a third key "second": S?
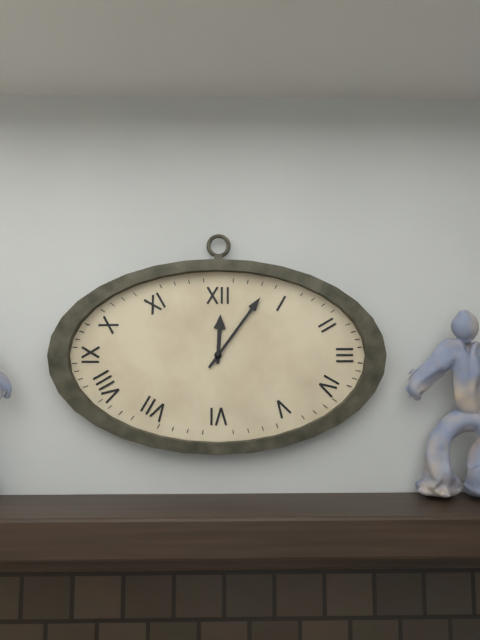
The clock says {"hour": 12, "minute": 6}
